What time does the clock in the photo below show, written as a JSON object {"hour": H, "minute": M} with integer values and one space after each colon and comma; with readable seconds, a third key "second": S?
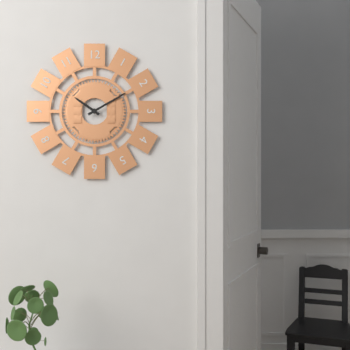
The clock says {"hour": 10, "minute": 10}
